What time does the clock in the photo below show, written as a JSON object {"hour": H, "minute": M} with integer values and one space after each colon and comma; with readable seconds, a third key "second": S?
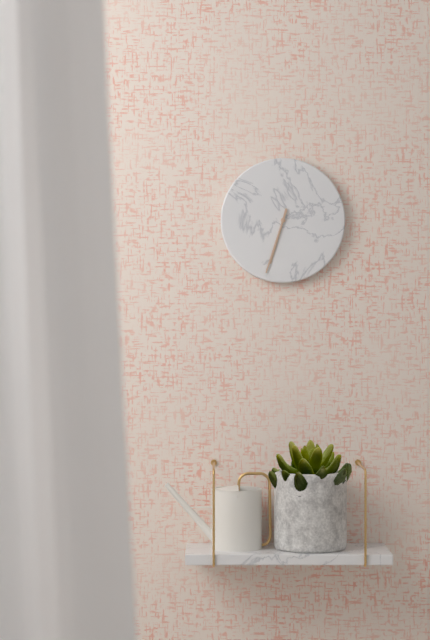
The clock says {"hour": 6, "minute": 33}
